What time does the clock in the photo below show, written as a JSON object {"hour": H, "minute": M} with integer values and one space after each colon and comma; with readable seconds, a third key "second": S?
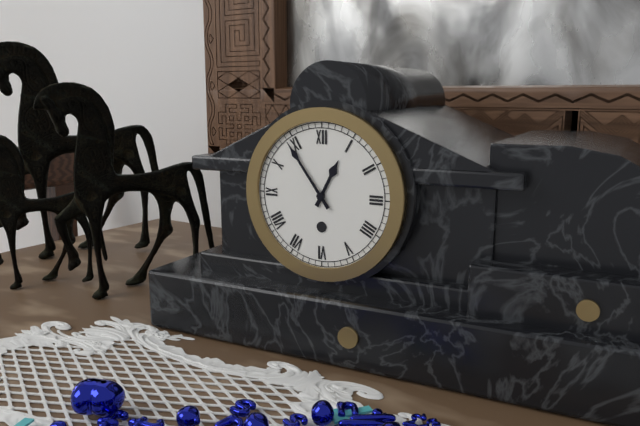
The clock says {"hour": 12, "minute": 54}
